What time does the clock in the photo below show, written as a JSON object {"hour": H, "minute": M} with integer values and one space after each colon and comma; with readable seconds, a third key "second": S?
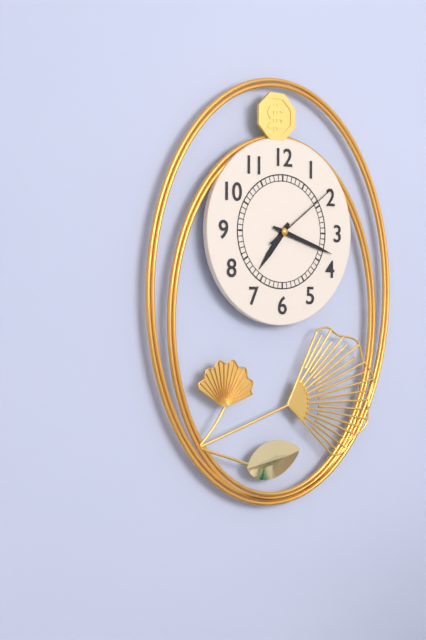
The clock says {"hour": 7, "minute": 18, "second": 9}
